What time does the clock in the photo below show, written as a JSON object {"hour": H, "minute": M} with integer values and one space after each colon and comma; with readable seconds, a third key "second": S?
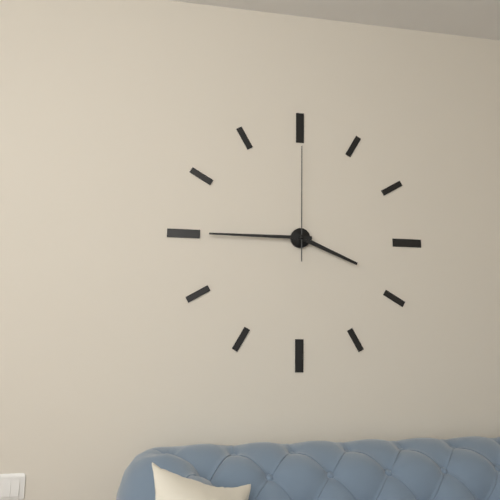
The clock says {"hour": 3, "minute": 45, "second": 0}
